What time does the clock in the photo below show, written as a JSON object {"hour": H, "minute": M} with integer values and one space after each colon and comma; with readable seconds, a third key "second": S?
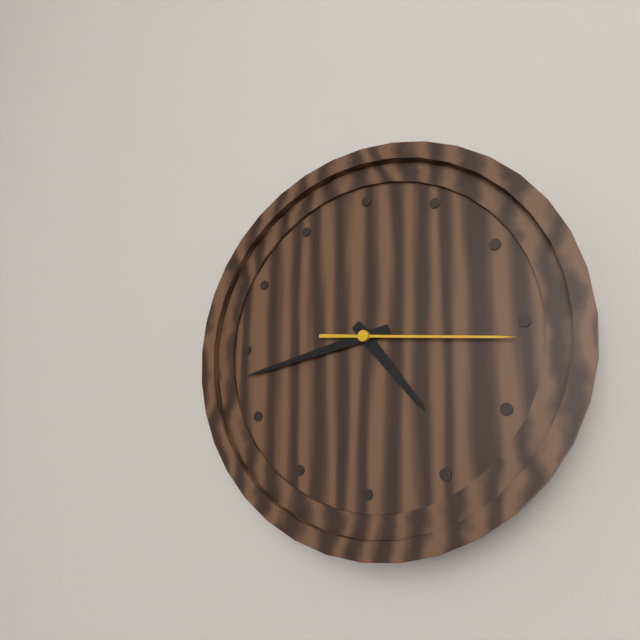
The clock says {"hour": 4, "minute": 43, "second": 16}
